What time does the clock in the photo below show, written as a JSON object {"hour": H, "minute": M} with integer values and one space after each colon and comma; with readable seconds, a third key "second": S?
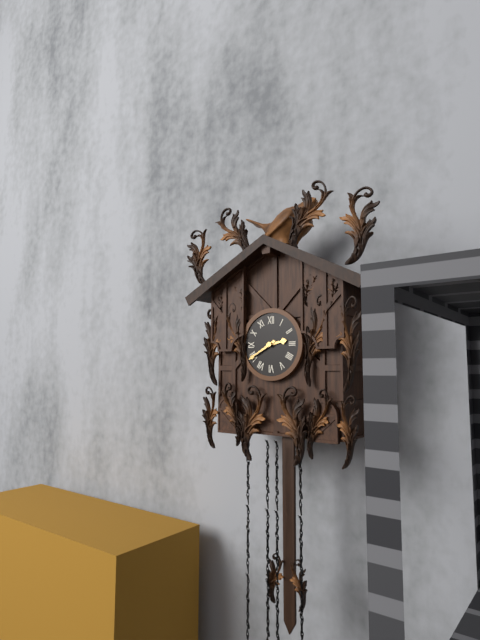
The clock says {"hour": 2, "minute": 40}
